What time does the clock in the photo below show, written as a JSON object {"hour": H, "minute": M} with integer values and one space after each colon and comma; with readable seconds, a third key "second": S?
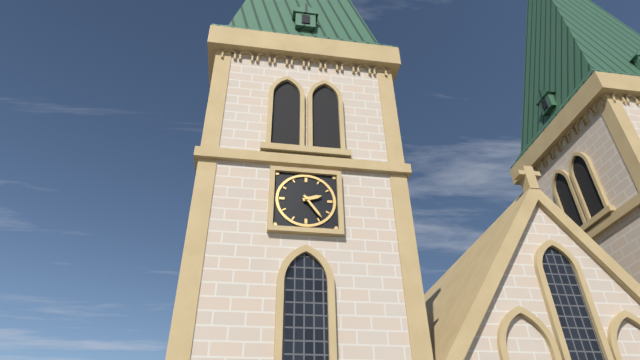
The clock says {"hour": 2, "minute": 24}
